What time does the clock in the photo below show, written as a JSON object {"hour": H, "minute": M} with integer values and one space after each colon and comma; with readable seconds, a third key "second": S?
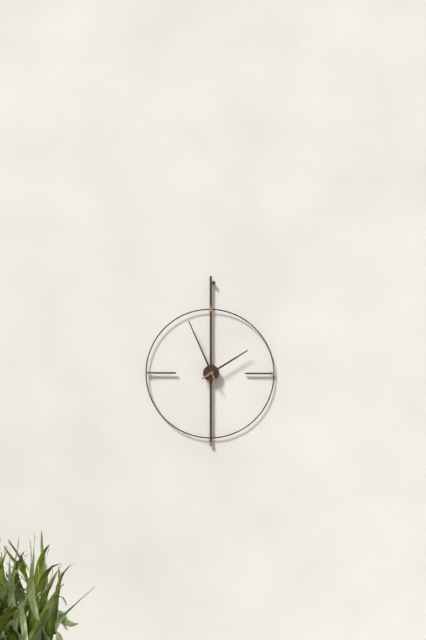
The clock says {"hour": 1, "minute": 56}
